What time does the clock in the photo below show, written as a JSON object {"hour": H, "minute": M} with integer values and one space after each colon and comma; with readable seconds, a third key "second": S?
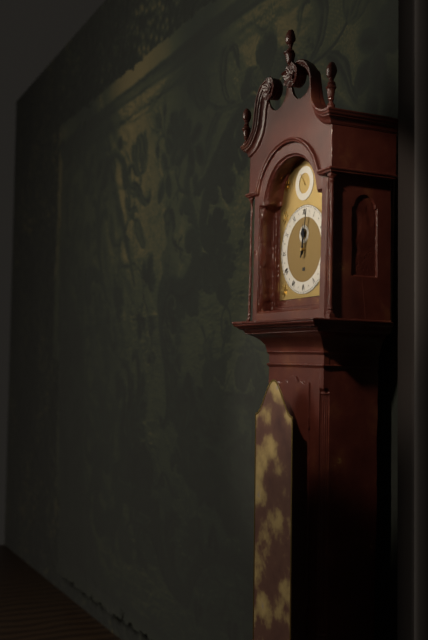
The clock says {"hour": 12, "minute": 2}
